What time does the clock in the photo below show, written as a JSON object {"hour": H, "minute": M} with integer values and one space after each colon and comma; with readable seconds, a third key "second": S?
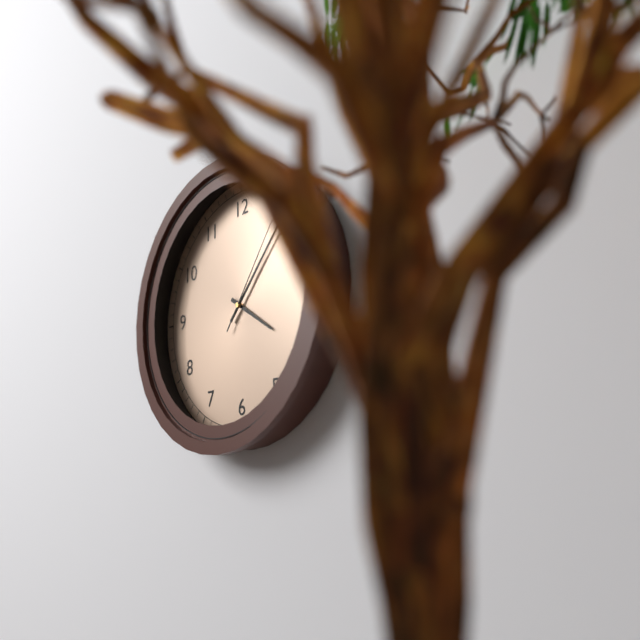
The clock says {"hour": 4, "minute": 7, "second": 6}
